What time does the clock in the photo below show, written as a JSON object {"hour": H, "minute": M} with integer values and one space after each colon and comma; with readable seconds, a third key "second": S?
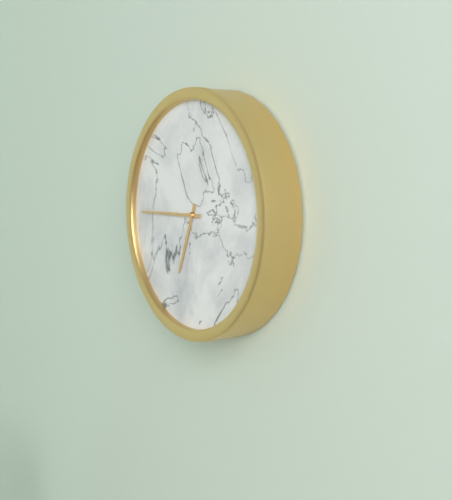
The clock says {"hour": 6, "minute": 45}
